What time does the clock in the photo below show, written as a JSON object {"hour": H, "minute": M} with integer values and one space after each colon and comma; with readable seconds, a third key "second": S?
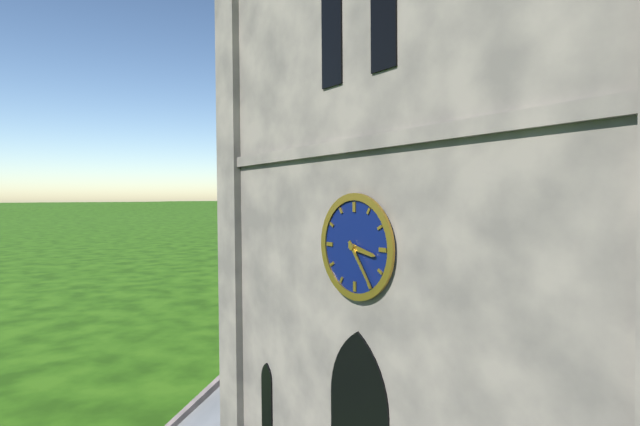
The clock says {"hour": 3, "minute": 24}
